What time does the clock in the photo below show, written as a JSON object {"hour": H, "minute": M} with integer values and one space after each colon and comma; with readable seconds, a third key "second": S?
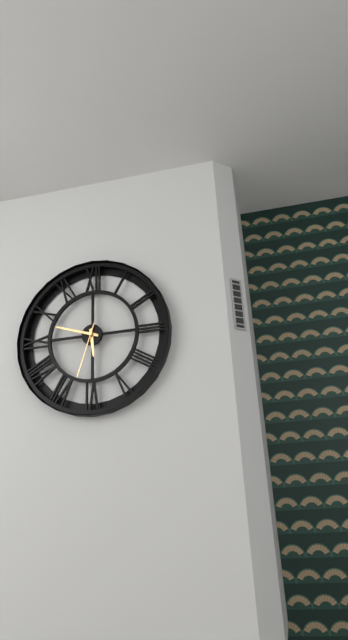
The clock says {"hour": 5, "minute": 48, "second": 33}
